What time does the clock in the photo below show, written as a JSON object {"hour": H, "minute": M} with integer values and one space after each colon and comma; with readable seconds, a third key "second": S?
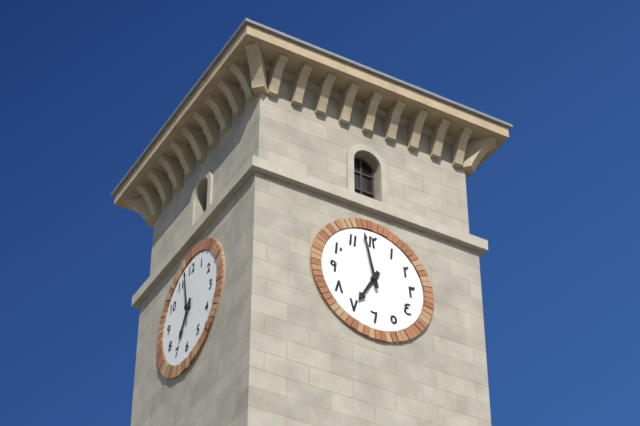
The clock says {"hour": 6, "minute": 58}
